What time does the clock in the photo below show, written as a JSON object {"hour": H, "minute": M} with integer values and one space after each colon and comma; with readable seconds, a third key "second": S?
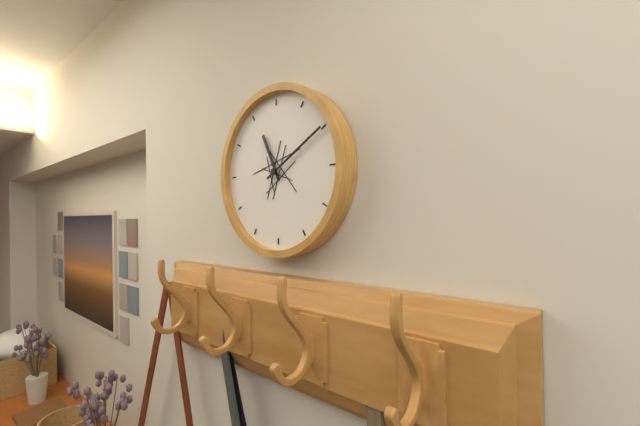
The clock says {"hour": 11, "minute": 10}
